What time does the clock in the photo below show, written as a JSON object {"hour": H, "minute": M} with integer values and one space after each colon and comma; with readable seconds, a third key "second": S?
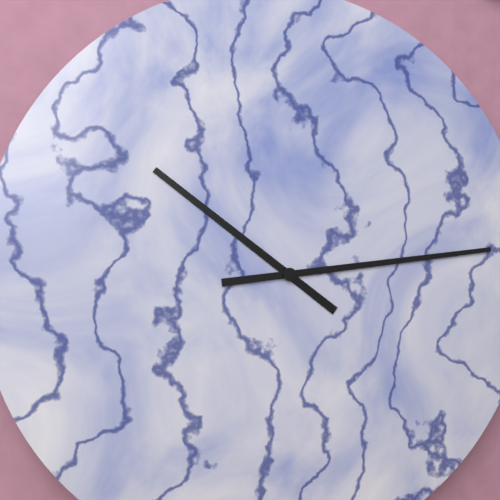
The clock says {"hour": 10, "minute": 14}
